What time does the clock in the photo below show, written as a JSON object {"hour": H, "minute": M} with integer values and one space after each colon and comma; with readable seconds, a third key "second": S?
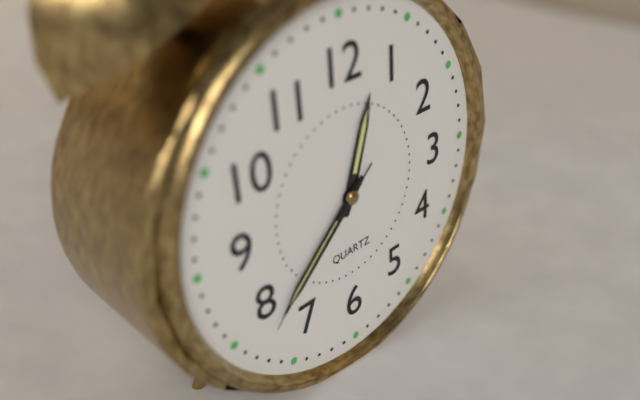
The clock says {"hour": 12, "minute": 38, "second": 38}
